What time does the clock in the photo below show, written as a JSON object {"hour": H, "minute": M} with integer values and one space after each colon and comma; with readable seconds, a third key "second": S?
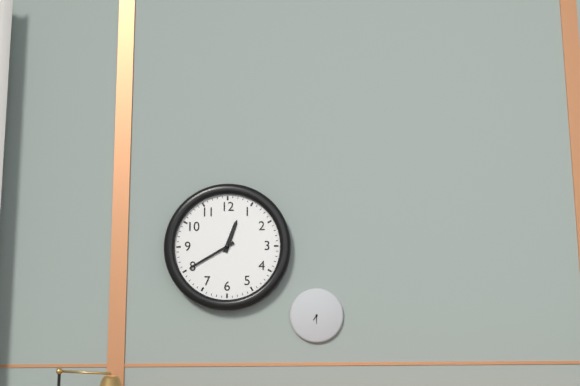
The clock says {"hour": 12, "minute": 40}
